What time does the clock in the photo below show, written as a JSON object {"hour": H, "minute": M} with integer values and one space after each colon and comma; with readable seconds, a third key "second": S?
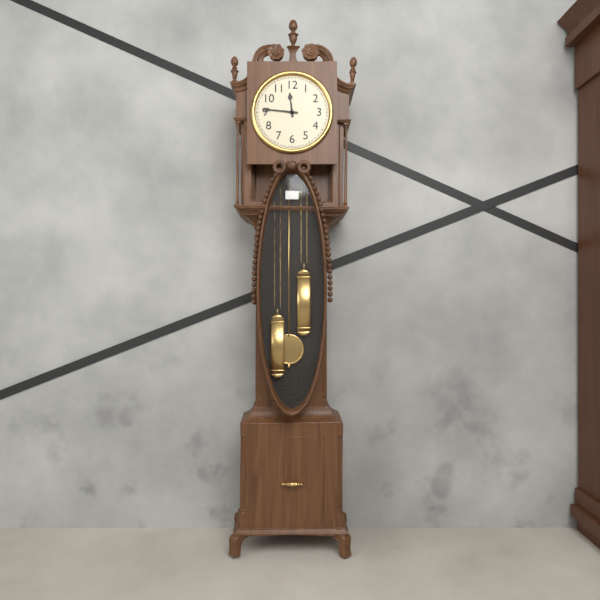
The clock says {"hour": 11, "minute": 46}
